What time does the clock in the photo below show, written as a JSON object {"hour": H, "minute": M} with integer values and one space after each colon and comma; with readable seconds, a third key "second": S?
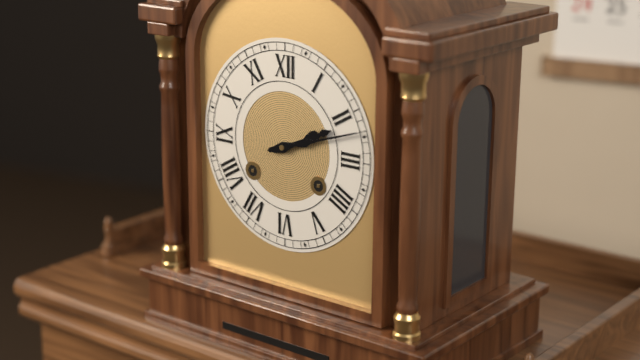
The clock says {"hour": 2, "minute": 12}
